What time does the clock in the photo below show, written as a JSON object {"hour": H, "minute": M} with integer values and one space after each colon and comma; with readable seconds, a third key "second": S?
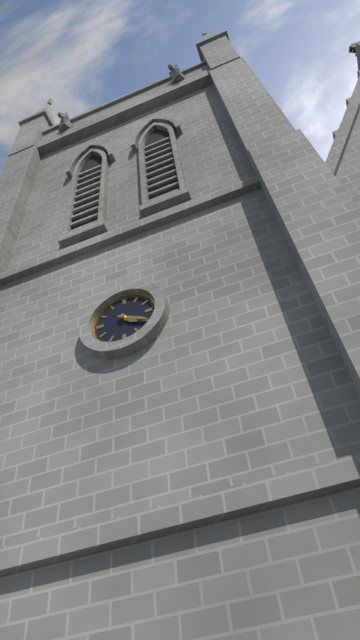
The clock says {"hour": 4, "minute": 20}
